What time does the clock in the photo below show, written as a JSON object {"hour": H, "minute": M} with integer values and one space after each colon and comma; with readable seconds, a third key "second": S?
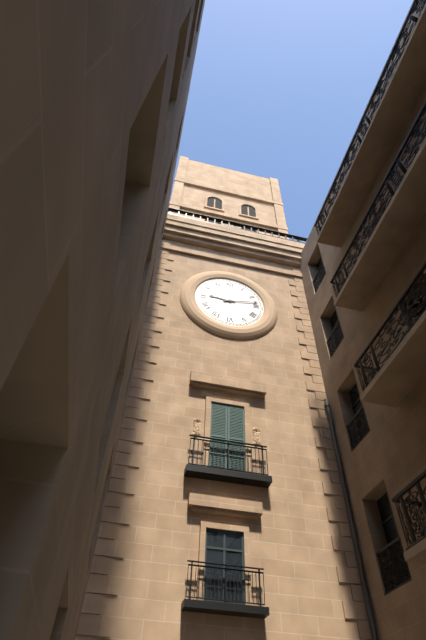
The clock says {"hour": 9, "minute": 13}
